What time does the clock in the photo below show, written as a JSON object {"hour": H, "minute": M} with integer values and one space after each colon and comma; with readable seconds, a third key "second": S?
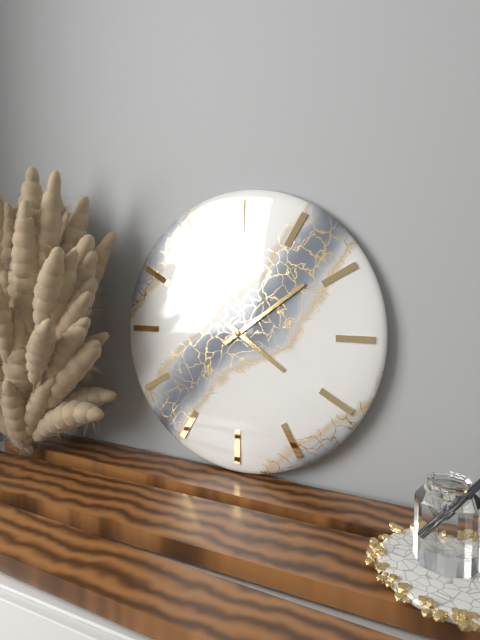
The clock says {"hour": 4, "minute": 9}
